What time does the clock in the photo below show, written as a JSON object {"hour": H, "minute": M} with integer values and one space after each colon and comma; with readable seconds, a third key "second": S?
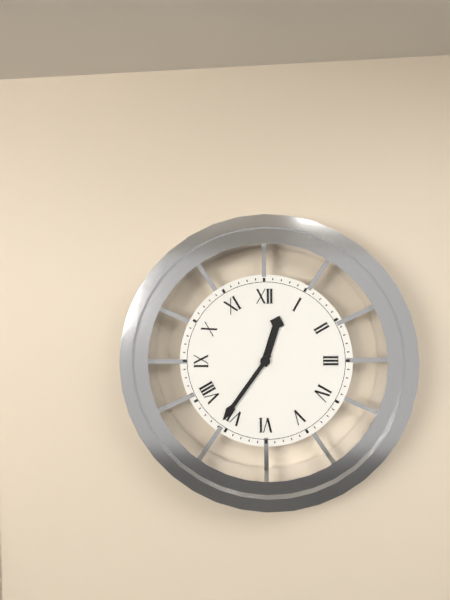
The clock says {"hour": 12, "minute": 36}
